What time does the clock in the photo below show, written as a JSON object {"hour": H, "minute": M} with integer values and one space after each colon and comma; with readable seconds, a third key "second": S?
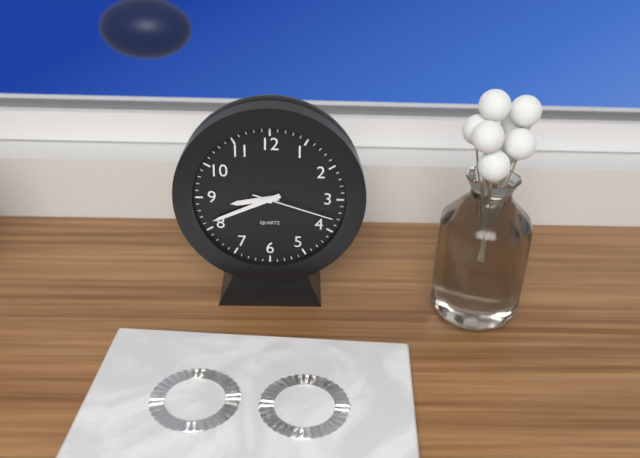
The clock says {"hour": 8, "minute": 41, "second": 18}
